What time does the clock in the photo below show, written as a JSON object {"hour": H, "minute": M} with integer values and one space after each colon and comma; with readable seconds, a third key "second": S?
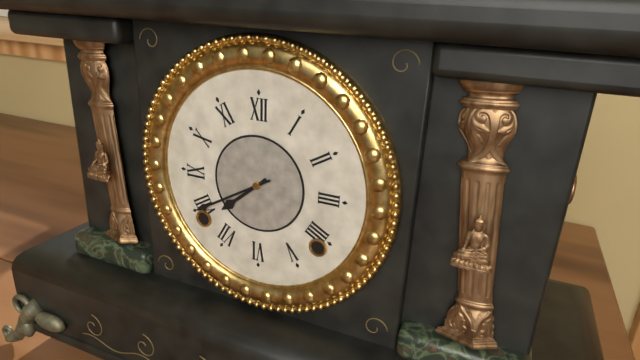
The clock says {"hour": 7, "minute": 40}
